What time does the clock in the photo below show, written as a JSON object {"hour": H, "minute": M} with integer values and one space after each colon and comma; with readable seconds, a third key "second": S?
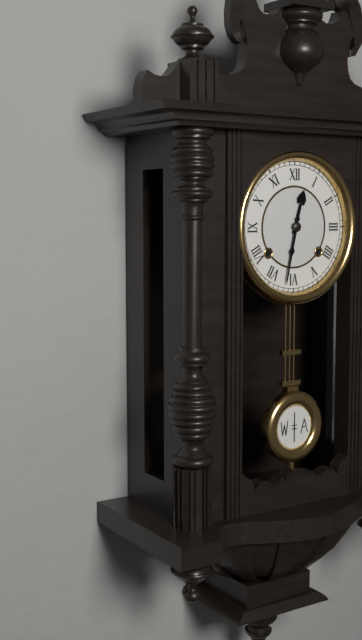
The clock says {"hour": 12, "minute": 32}
